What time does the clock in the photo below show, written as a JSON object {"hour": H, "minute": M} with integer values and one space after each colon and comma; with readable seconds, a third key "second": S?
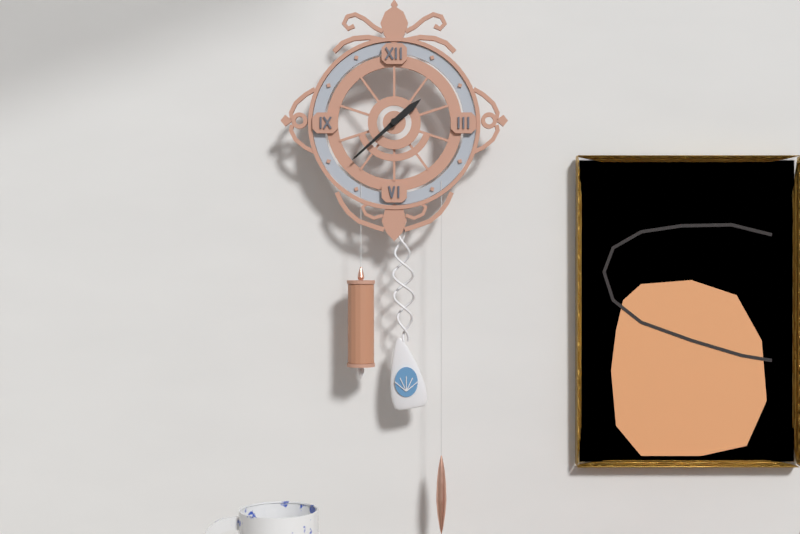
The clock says {"hour": 1, "minute": 38}
